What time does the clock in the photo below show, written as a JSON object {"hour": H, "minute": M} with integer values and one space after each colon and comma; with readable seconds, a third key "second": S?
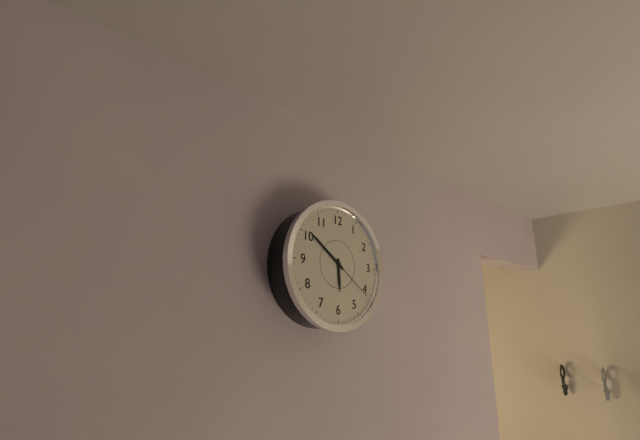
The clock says {"hour": 5, "minute": 51, "second": 21}
